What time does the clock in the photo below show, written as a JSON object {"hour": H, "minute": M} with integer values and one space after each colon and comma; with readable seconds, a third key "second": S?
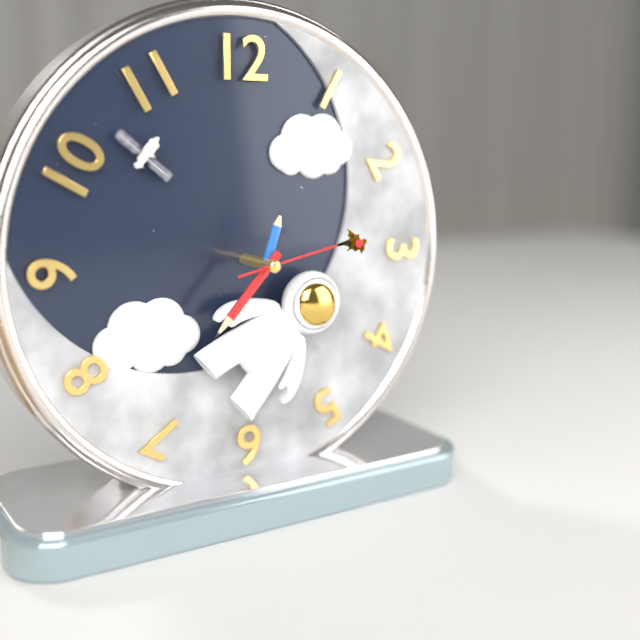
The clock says {"hour": 12, "minute": 37, "second": 13}
